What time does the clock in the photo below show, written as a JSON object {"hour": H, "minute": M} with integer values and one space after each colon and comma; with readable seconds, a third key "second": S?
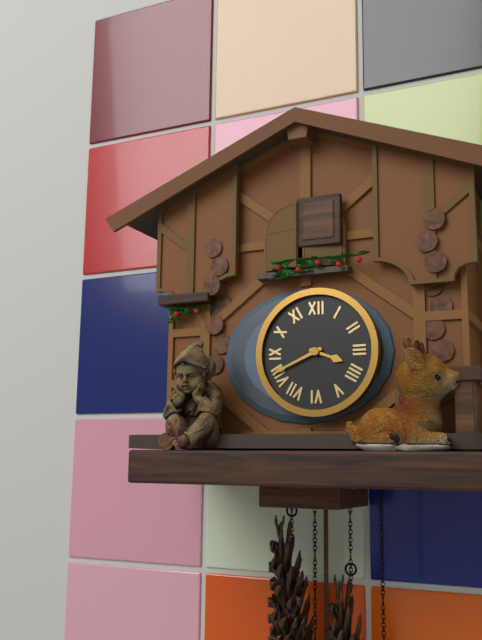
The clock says {"hour": 3, "minute": 41}
